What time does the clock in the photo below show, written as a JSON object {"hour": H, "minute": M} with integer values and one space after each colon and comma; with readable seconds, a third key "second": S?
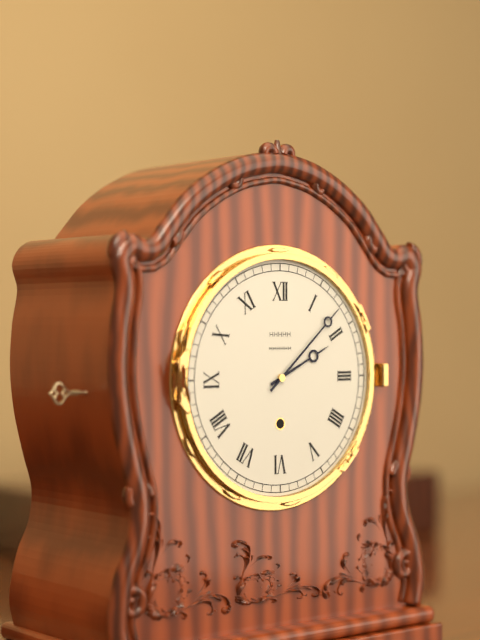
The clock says {"hour": 2, "minute": 8}
